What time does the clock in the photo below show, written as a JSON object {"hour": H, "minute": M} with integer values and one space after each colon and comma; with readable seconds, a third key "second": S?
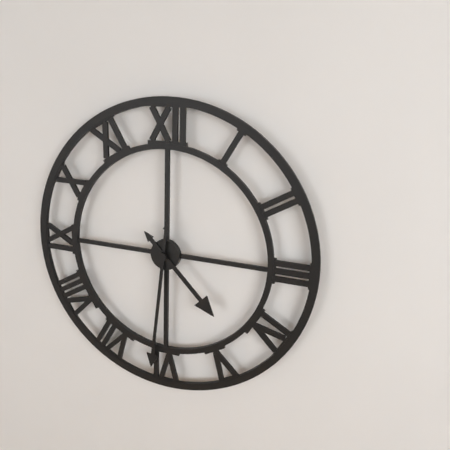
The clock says {"hour": 4, "minute": 31}
